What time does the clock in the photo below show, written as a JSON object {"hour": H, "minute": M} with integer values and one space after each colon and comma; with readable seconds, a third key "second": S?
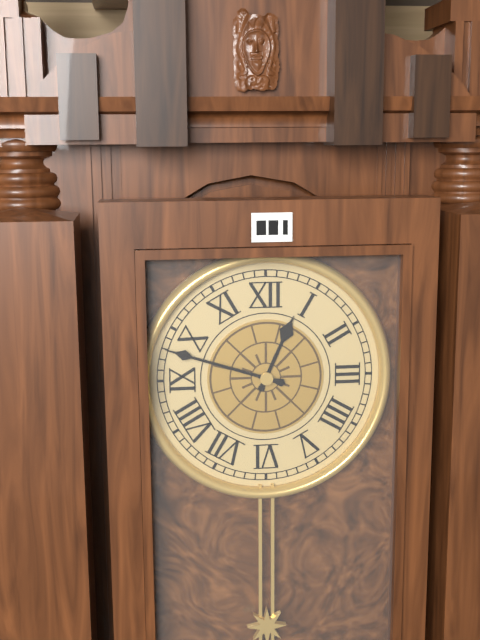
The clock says {"hour": 12, "minute": 48}
